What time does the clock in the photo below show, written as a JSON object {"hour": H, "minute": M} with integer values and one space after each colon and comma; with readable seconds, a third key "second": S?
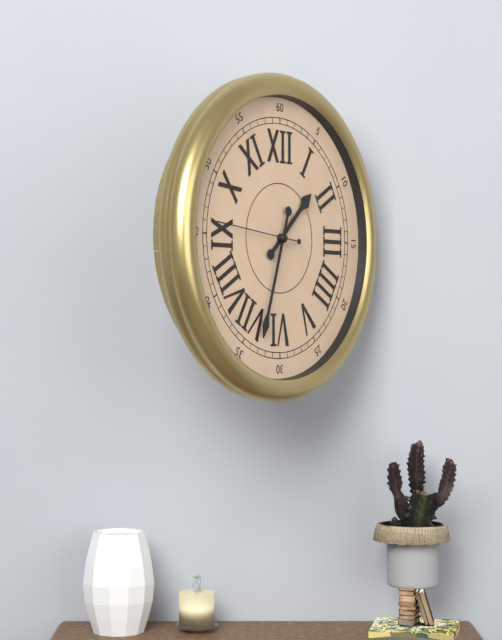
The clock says {"hour": 1, "minute": 33, "second": 46}
